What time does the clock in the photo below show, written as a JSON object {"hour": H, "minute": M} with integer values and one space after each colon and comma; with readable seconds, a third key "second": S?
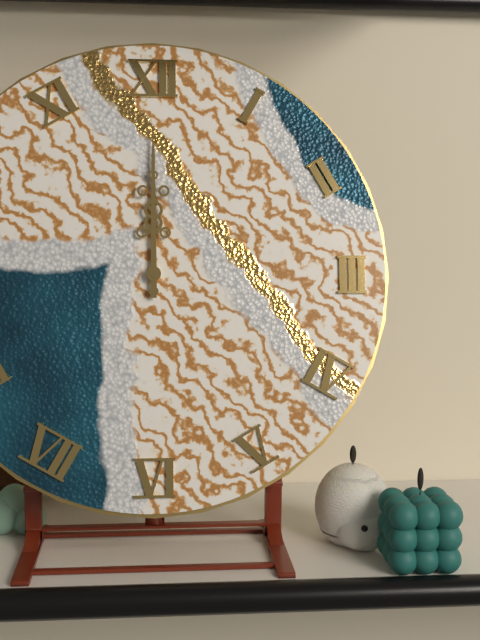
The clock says {"hour": 12, "minute": 0}
